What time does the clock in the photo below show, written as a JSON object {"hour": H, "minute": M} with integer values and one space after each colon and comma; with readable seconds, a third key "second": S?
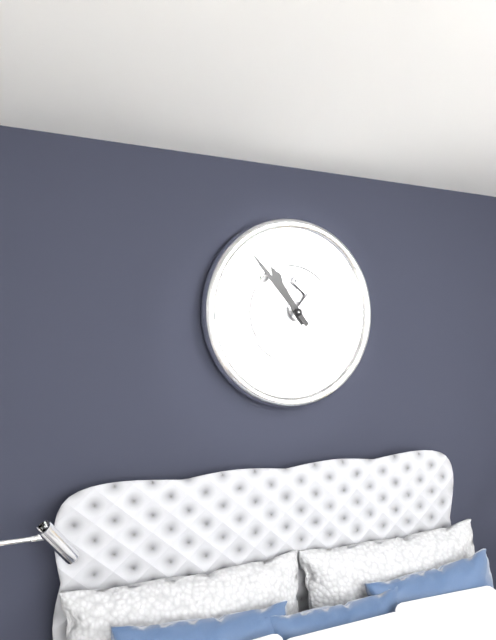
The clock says {"hour": 10, "minute": 53}
